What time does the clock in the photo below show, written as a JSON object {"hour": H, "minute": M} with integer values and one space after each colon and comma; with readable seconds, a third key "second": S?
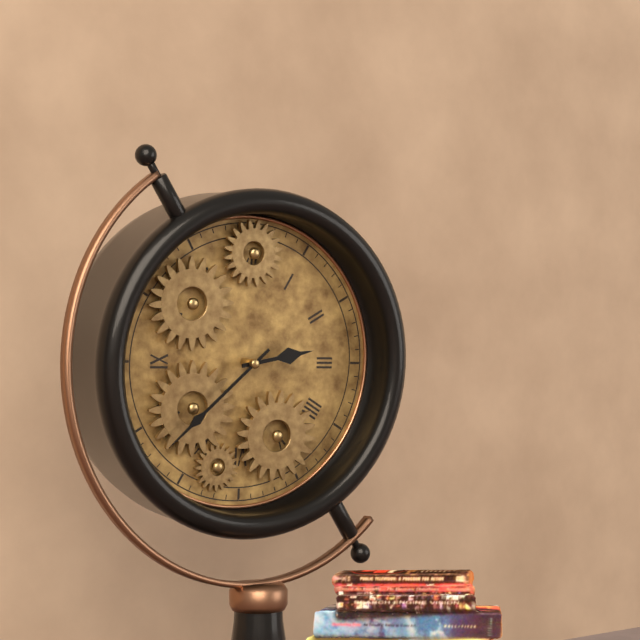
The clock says {"hour": 2, "minute": 38}
